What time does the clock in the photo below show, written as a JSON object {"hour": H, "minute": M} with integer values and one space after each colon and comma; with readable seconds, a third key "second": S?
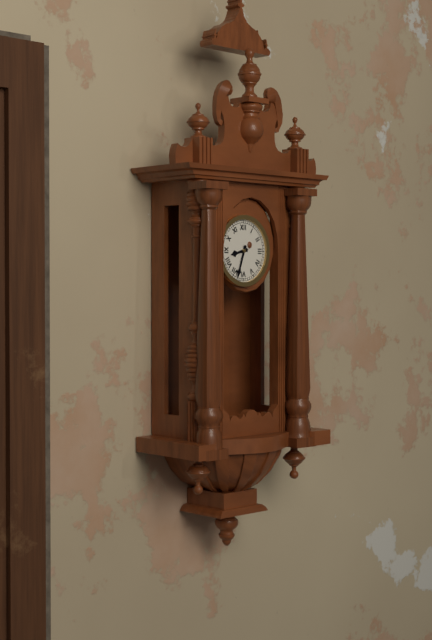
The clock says {"hour": 8, "minute": 33}
